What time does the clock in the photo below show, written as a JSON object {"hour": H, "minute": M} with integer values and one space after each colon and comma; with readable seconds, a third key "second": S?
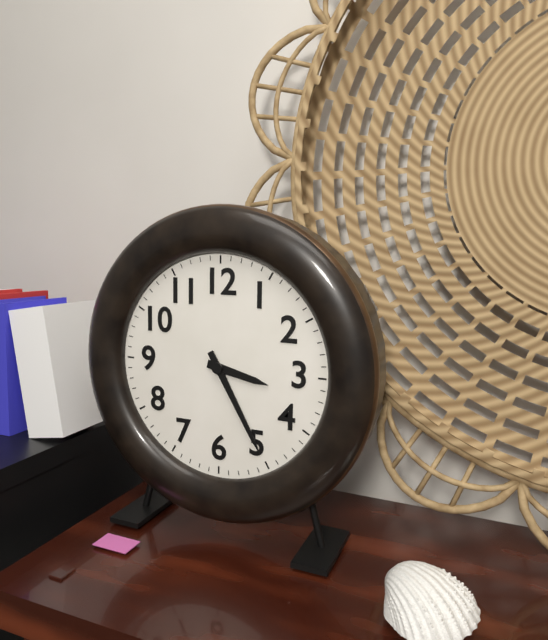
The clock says {"hour": 3, "minute": 25}
